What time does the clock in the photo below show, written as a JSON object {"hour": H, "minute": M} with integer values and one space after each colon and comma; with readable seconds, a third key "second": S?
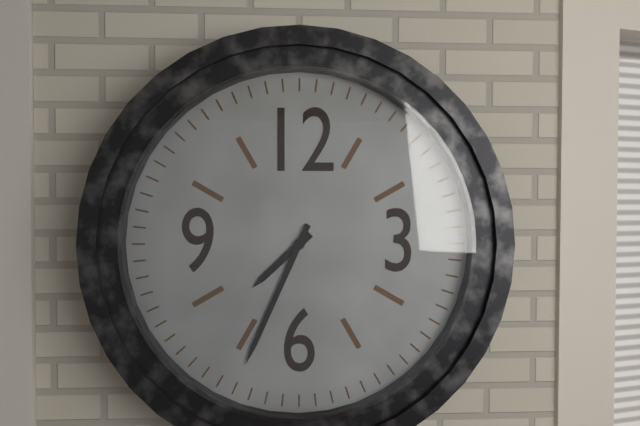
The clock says {"hour": 7, "minute": 34}
